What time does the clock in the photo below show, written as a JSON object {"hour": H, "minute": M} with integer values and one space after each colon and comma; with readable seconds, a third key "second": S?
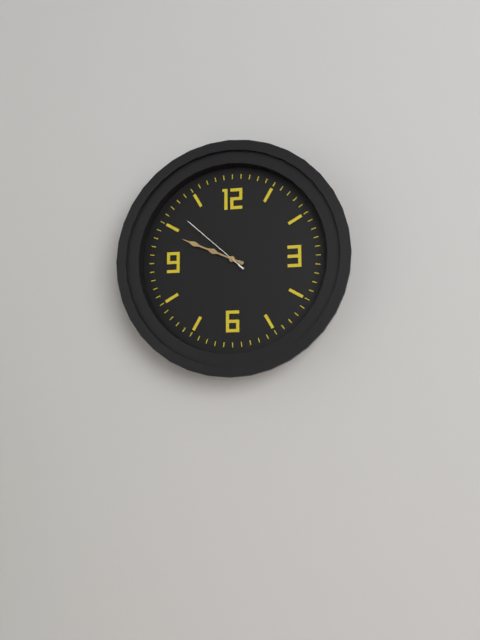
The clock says {"hour": 9, "minute": 49, "second": 52}
